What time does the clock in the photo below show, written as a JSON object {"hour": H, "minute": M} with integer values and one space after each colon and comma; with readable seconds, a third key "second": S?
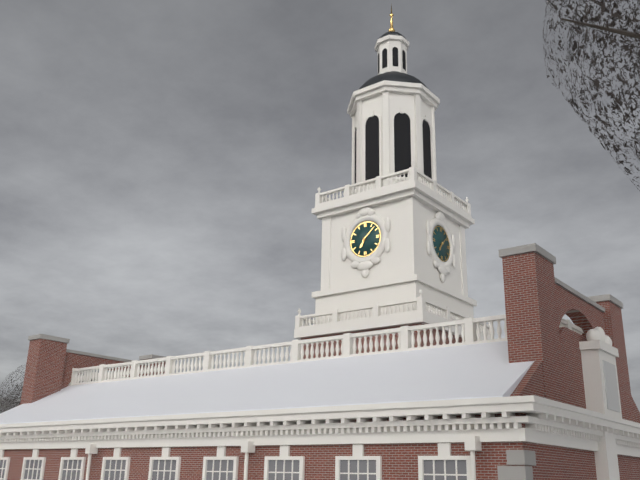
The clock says {"hour": 7, "minute": 8}
